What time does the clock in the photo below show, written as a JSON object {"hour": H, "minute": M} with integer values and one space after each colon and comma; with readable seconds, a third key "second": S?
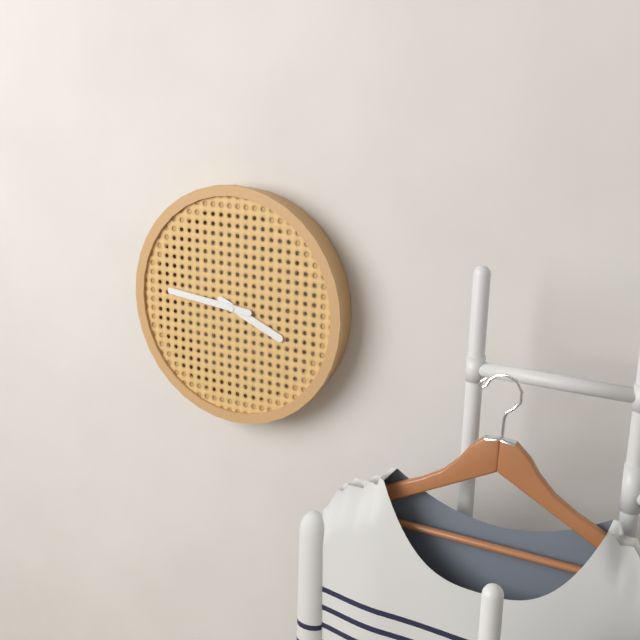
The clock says {"hour": 3, "minute": 46}
